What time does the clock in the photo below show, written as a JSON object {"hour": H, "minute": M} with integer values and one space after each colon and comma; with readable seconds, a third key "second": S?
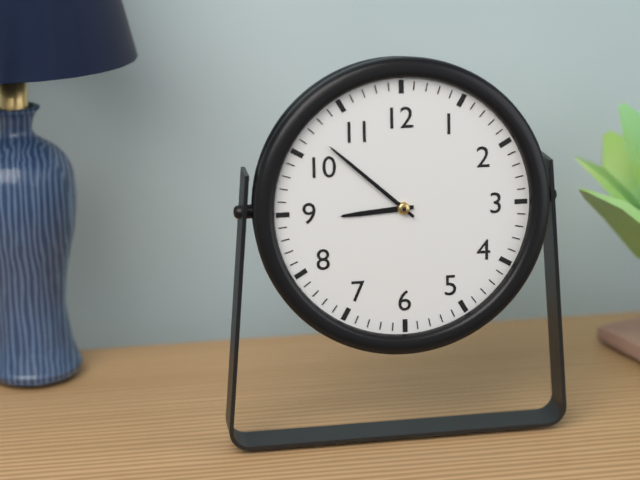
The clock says {"hour": 8, "minute": 52}
